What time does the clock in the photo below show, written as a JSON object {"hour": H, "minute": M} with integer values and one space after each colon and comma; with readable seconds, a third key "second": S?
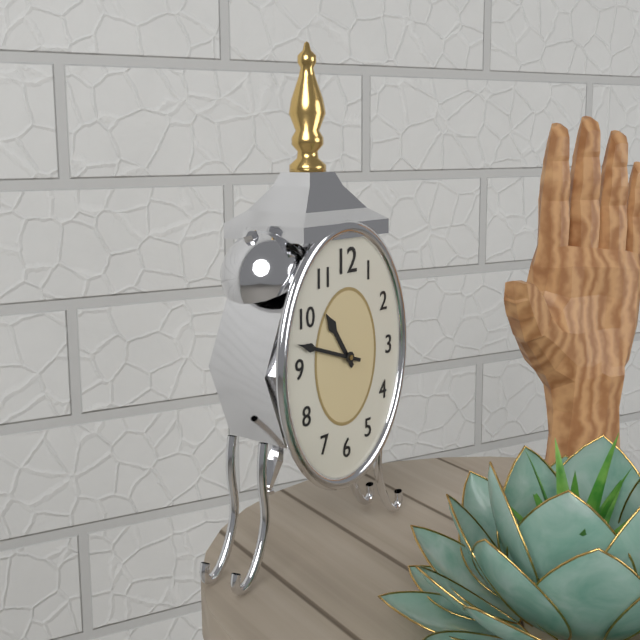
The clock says {"hour": 10, "minute": 48}
